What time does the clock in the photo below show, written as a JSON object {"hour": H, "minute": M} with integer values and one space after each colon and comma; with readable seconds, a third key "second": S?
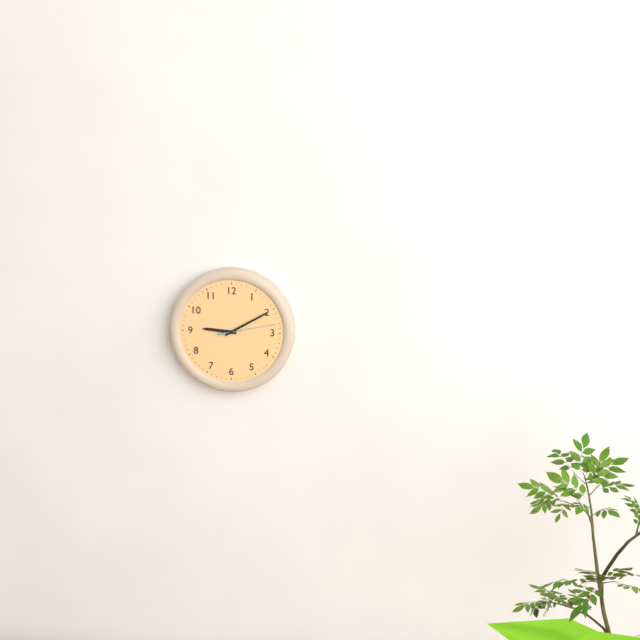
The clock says {"hour": 9, "minute": 10, "second": 13}
